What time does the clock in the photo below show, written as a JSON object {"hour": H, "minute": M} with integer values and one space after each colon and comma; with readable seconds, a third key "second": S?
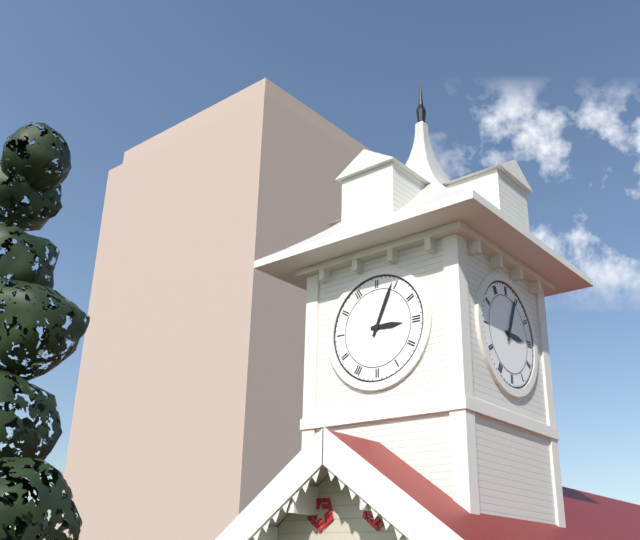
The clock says {"hour": 3, "minute": 4}
